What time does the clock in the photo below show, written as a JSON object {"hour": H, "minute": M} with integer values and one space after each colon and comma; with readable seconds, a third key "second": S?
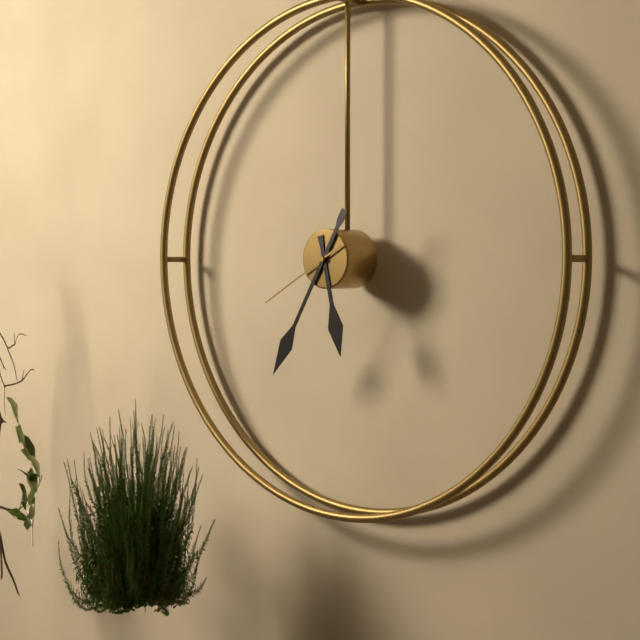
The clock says {"hour": 5, "minute": 35, "second": 40}
